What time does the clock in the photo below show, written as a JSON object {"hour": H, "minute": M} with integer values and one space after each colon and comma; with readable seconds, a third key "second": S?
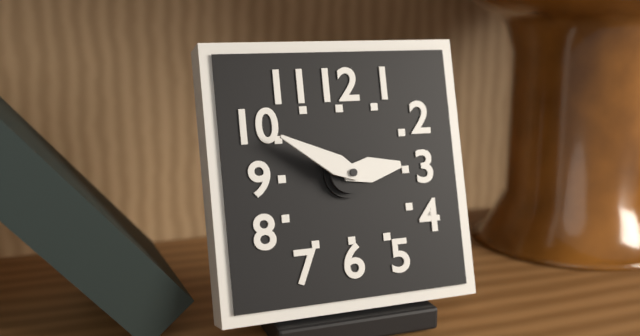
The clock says {"hour": 2, "minute": 50}
